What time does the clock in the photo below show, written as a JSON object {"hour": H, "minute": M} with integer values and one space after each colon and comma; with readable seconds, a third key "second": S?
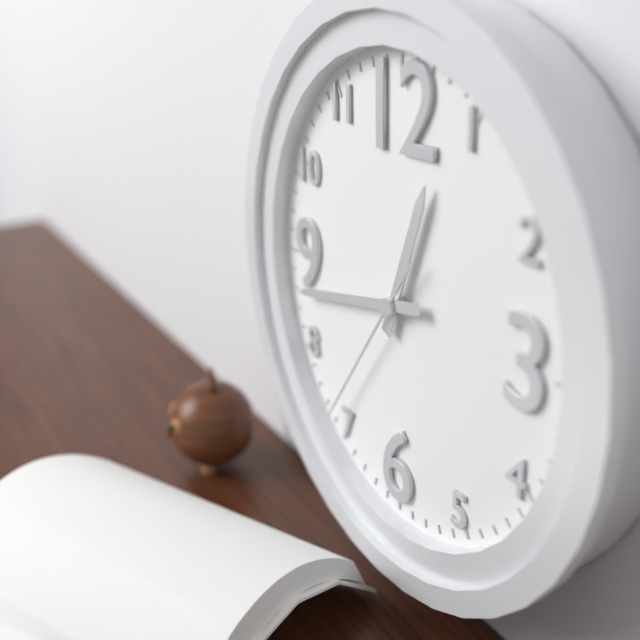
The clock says {"hour": 12, "minute": 43, "second": 36}
